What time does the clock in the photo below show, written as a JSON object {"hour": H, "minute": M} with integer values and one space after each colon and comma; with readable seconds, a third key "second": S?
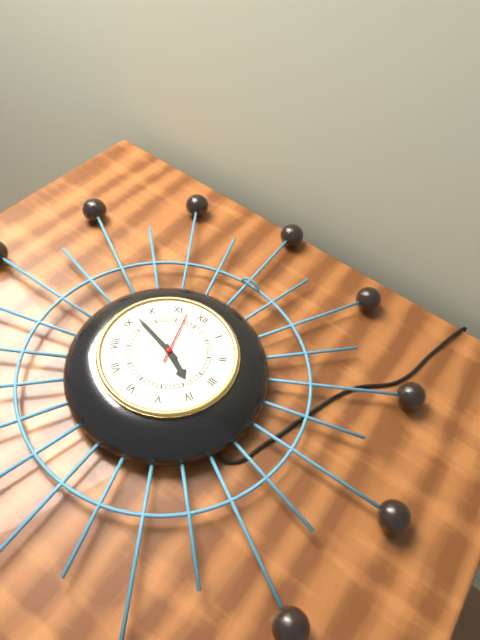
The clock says {"hour": 3, "minute": 47, "second": 57}
